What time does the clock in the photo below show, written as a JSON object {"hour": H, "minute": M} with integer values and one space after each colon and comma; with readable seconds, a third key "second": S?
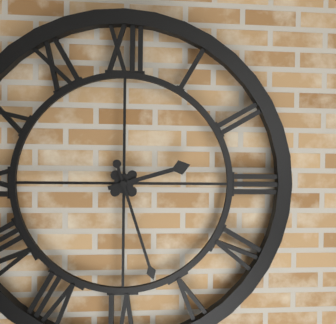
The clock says {"hour": 2, "minute": 27}
